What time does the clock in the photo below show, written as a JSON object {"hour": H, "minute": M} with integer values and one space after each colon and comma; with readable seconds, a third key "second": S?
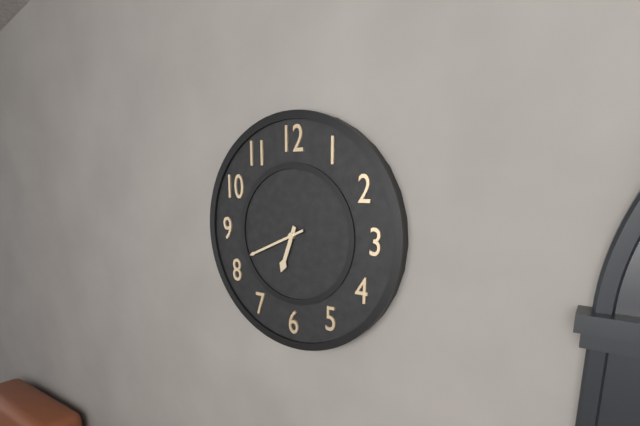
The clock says {"hour": 6, "minute": 41}
